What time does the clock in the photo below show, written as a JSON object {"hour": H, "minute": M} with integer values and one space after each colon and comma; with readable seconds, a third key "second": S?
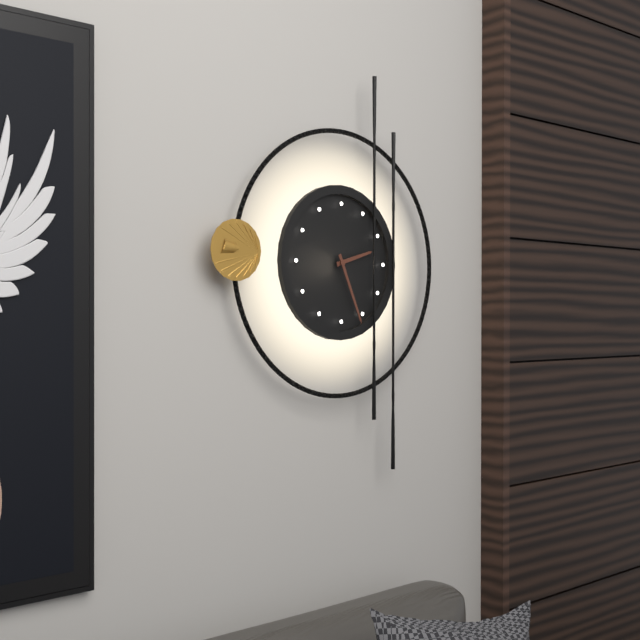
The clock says {"hour": 2, "minute": 26}
